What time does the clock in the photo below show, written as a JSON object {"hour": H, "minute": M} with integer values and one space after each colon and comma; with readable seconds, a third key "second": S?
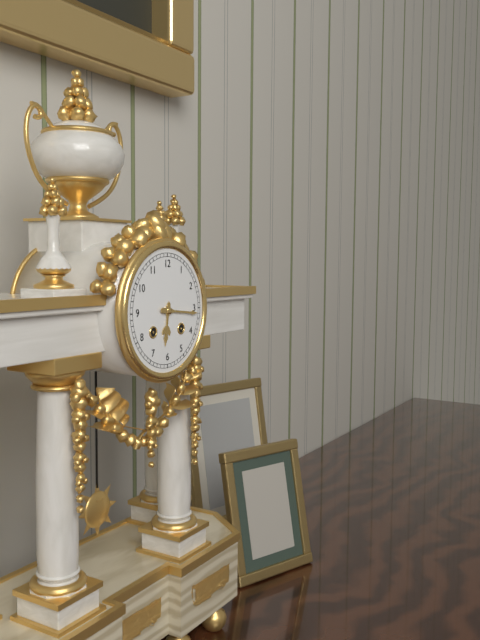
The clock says {"hour": 6, "minute": 16}
